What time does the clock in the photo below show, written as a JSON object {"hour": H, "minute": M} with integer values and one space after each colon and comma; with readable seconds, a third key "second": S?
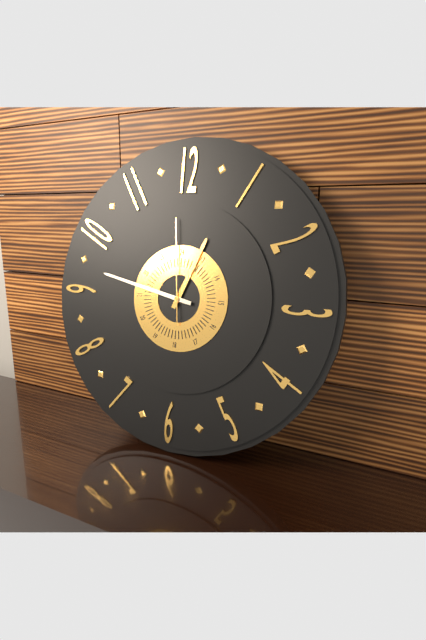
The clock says {"hour": 12, "minute": 47, "second": 59}
